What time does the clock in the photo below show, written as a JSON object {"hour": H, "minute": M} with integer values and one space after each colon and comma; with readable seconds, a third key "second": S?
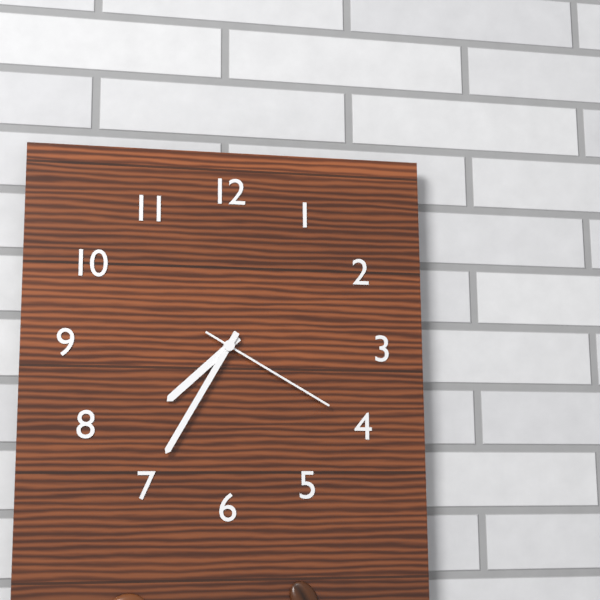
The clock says {"hour": 7, "minute": 35, "second": 20}
